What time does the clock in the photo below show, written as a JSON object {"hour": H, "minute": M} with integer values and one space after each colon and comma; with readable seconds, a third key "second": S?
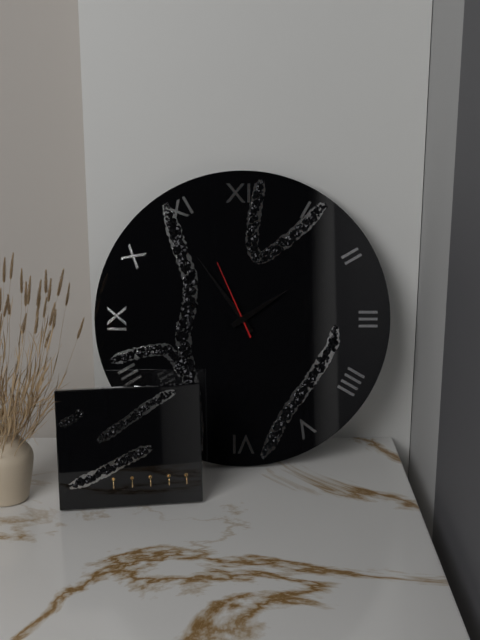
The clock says {"hour": 1, "minute": 54, "second": 56}
